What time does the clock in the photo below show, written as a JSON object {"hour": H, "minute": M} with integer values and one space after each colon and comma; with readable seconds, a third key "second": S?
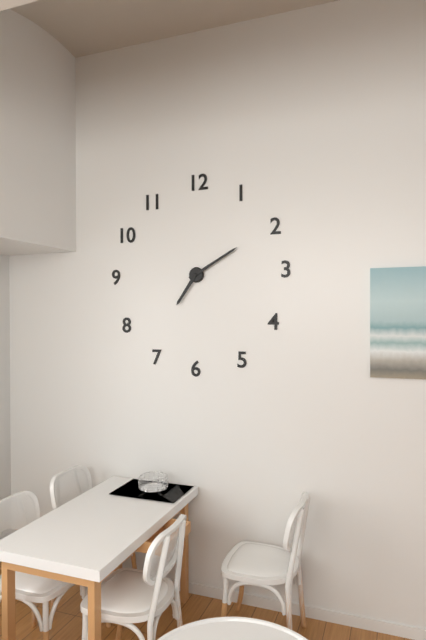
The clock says {"hour": 7, "minute": 10}
